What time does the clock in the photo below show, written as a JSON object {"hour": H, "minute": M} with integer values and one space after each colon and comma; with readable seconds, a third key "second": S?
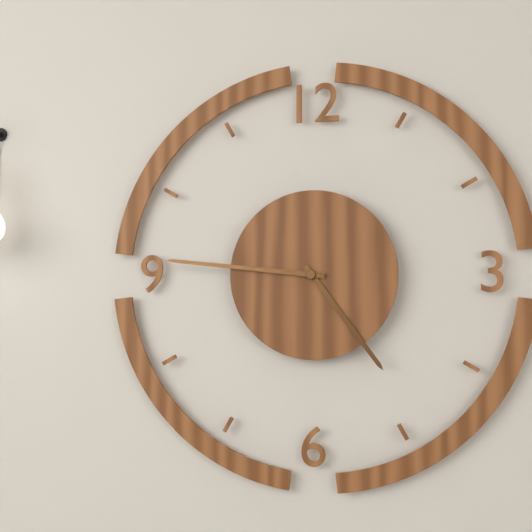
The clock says {"hour": 4, "minute": 46}
